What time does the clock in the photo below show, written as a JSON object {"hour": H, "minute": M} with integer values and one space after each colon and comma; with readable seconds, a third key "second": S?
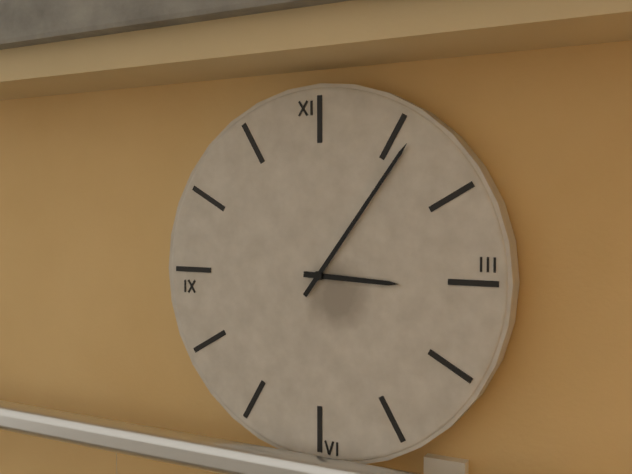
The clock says {"hour": 3, "minute": 6}
